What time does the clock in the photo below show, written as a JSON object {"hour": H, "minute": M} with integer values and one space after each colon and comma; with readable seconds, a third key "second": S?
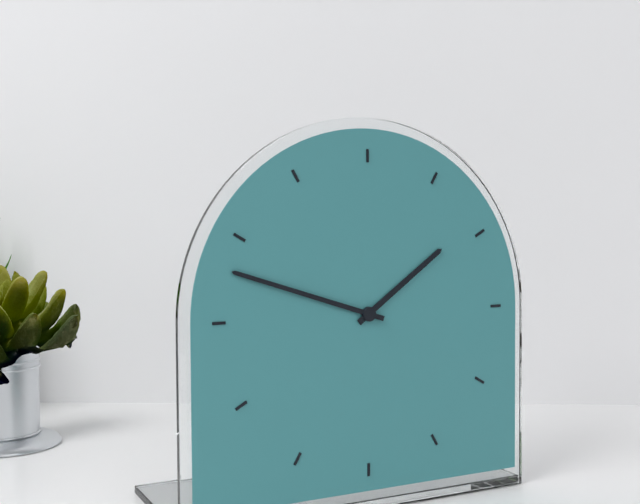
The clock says {"hour": 1, "minute": 48}
